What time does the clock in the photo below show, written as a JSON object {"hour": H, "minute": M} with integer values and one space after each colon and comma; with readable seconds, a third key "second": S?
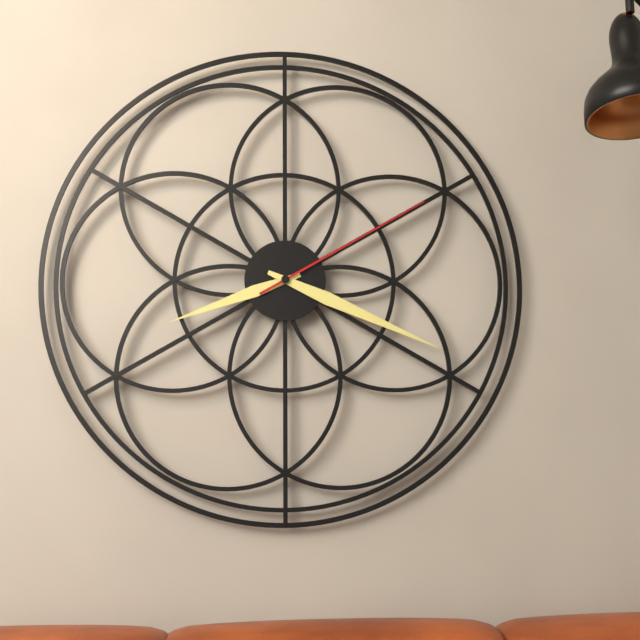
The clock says {"hour": 8, "minute": 19, "second": 10}
